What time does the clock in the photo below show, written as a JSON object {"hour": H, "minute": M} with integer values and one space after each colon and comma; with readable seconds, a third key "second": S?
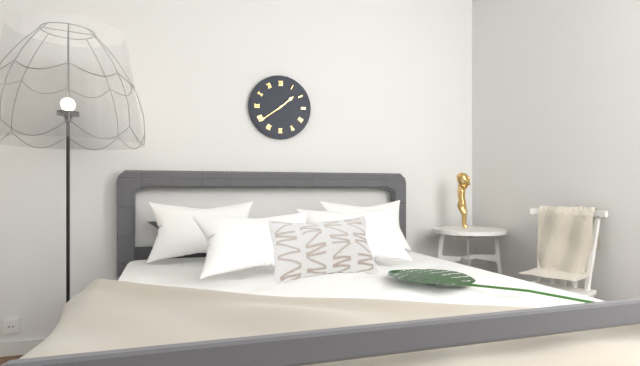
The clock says {"hour": 1, "minute": 39}
